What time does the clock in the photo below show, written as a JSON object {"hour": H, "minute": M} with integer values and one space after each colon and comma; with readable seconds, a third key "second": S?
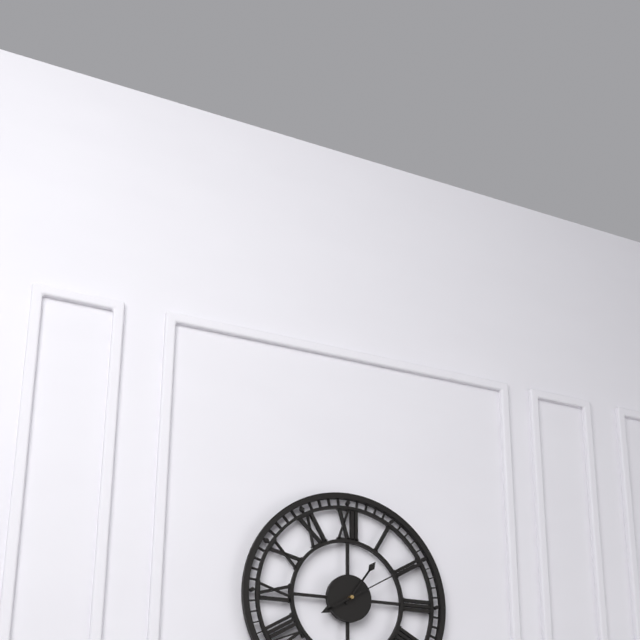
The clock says {"hour": 1, "minute": 10}
